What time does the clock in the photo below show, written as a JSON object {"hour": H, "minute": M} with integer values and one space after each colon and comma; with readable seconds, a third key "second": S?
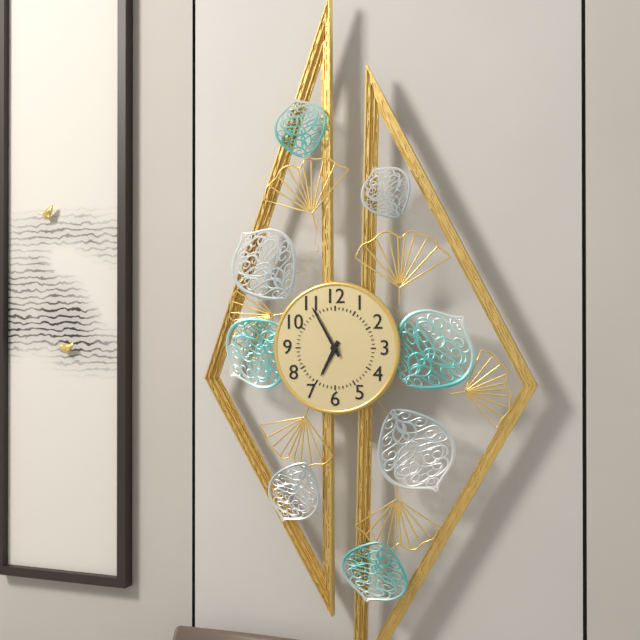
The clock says {"hour": 6, "minute": 55}
